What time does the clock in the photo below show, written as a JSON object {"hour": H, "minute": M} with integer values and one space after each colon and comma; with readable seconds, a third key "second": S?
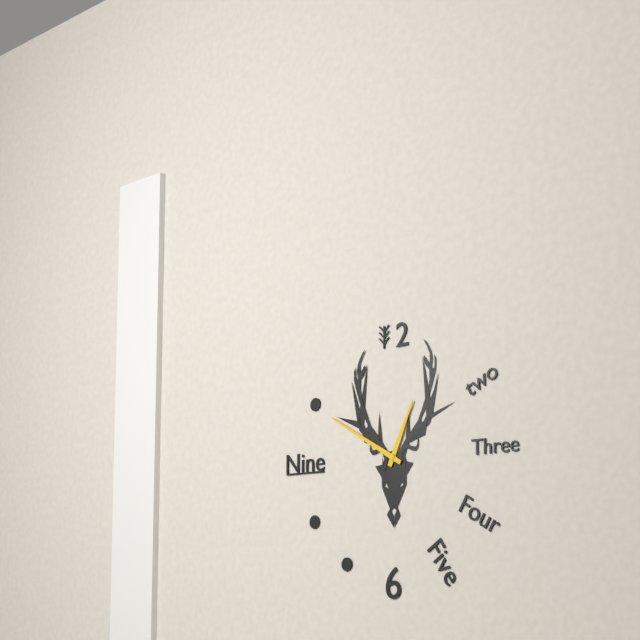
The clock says {"hour": 12, "minute": 50}
